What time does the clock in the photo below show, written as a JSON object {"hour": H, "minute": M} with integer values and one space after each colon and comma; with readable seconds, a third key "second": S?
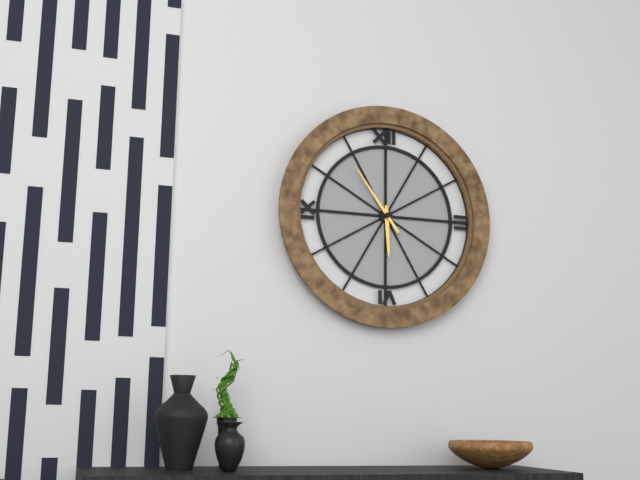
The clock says {"hour": 5, "minute": 54}
